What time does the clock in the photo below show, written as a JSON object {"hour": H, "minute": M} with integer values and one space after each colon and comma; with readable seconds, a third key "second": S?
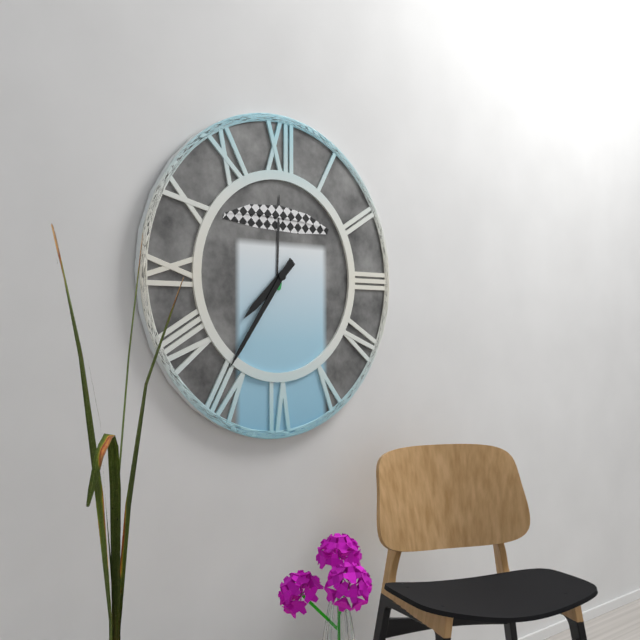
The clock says {"hour": 7, "minute": 36}
